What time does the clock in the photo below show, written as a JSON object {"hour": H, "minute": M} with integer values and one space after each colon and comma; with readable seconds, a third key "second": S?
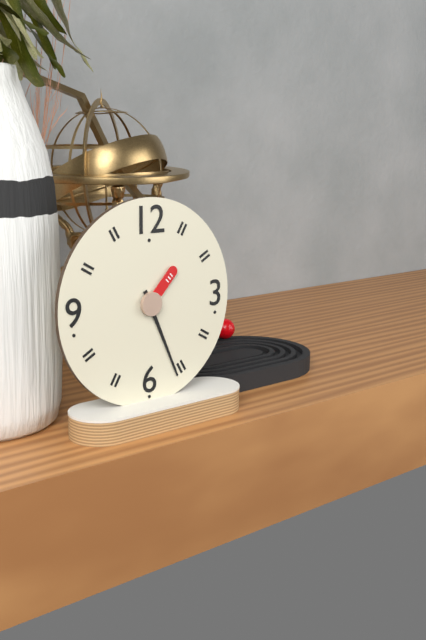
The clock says {"hour": 1, "minute": 26}
